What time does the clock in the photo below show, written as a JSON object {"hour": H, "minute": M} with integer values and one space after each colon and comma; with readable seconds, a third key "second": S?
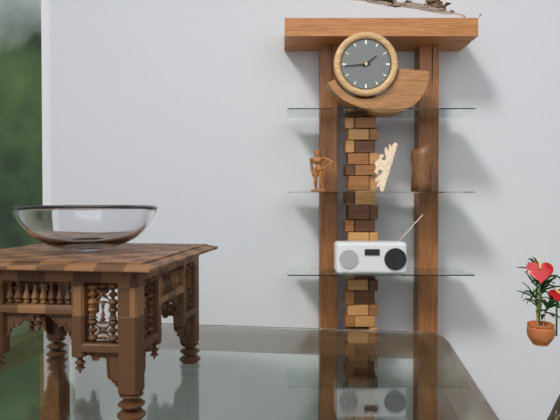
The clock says {"hour": 1, "minute": 44}
